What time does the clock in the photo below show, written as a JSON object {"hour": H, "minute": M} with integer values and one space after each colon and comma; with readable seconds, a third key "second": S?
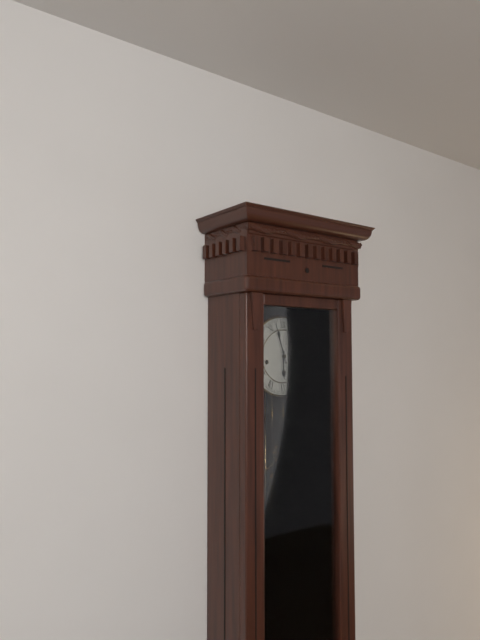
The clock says {"hour": 5, "minute": 57}
